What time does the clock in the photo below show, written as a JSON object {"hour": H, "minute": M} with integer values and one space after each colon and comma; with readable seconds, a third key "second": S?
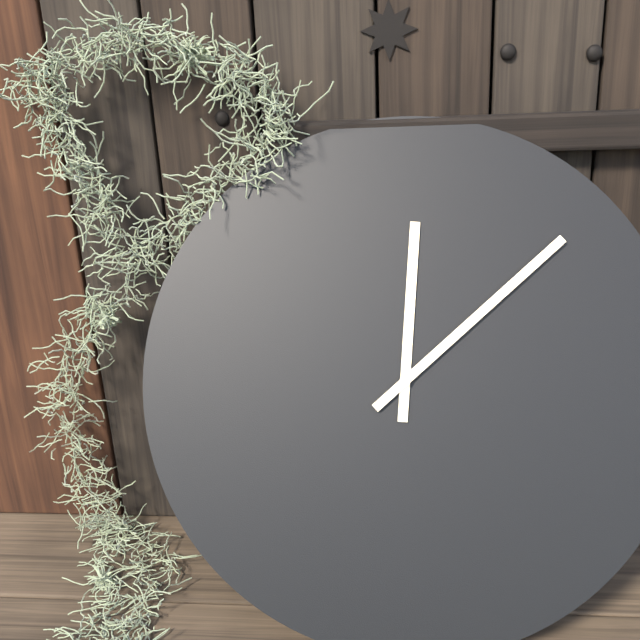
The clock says {"hour": 12, "minute": 8}
